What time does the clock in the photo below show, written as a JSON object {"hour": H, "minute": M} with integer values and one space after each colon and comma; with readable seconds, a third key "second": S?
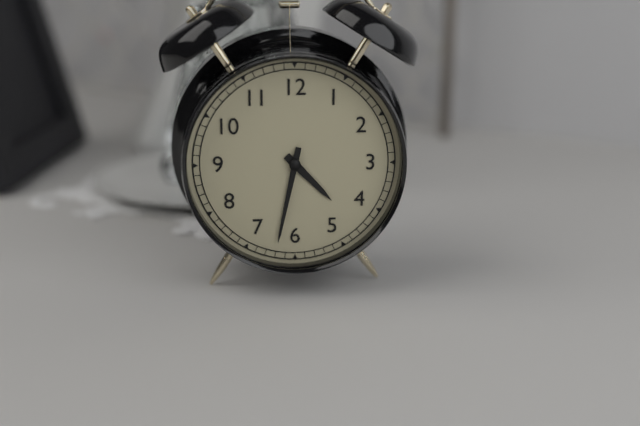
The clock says {"hour": 4, "minute": 32}
